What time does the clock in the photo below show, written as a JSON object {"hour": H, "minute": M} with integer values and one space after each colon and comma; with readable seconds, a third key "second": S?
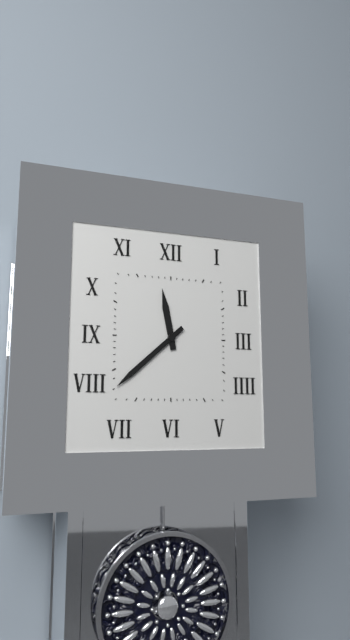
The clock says {"hour": 11, "minute": 38}
